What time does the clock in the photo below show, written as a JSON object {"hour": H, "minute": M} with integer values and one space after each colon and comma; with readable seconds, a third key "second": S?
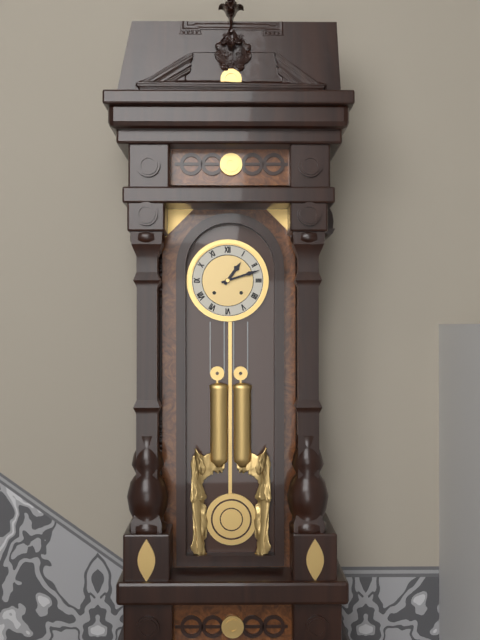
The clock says {"hour": 1, "minute": 12}
